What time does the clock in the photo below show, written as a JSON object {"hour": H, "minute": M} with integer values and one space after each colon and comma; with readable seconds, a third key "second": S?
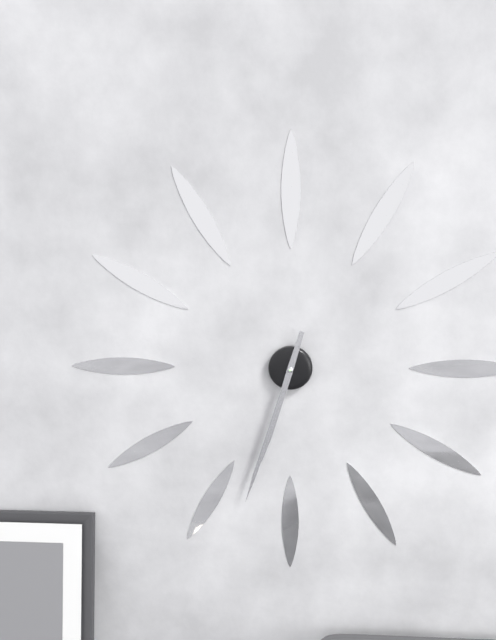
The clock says {"hour": 6, "minute": 33}
